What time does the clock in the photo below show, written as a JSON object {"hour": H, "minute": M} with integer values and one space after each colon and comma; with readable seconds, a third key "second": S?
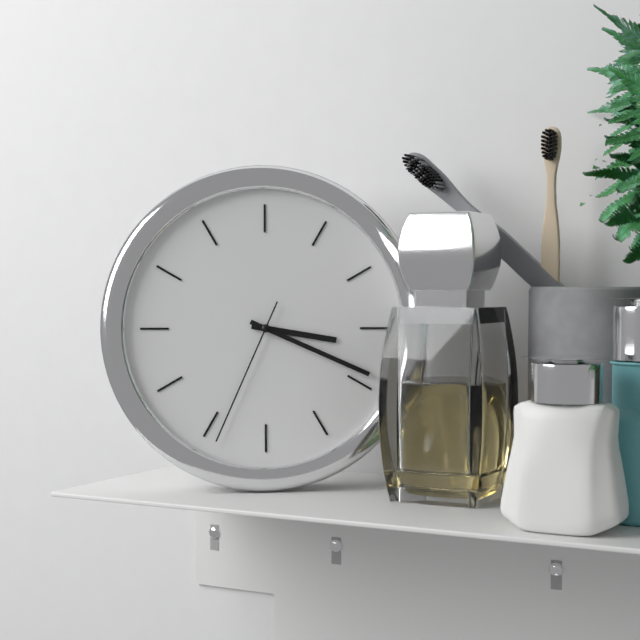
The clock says {"hour": 3, "minute": 19, "second": 34}
